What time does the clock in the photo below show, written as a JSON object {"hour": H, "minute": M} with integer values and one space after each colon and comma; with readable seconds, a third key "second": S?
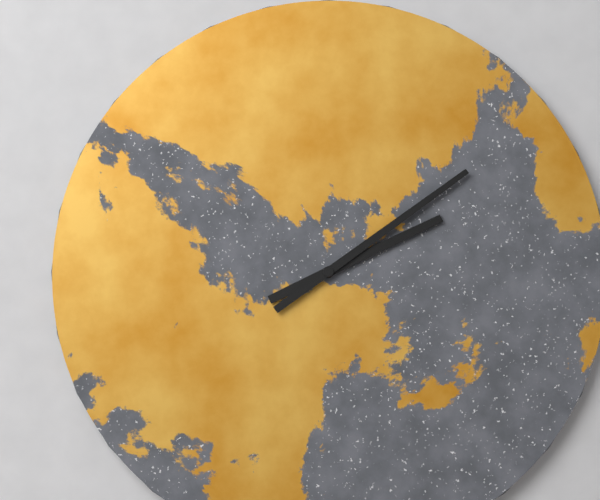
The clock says {"hour": 2, "minute": 9}
